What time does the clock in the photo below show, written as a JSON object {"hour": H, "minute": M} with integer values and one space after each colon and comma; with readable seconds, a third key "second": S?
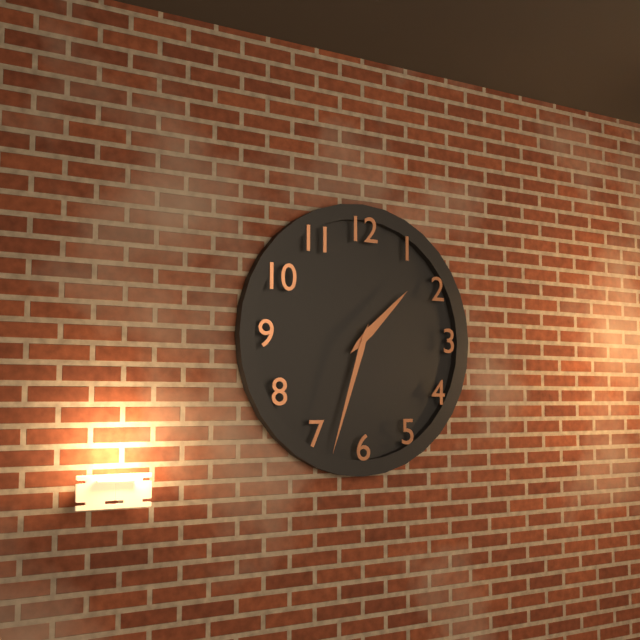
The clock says {"hour": 1, "minute": 33}
